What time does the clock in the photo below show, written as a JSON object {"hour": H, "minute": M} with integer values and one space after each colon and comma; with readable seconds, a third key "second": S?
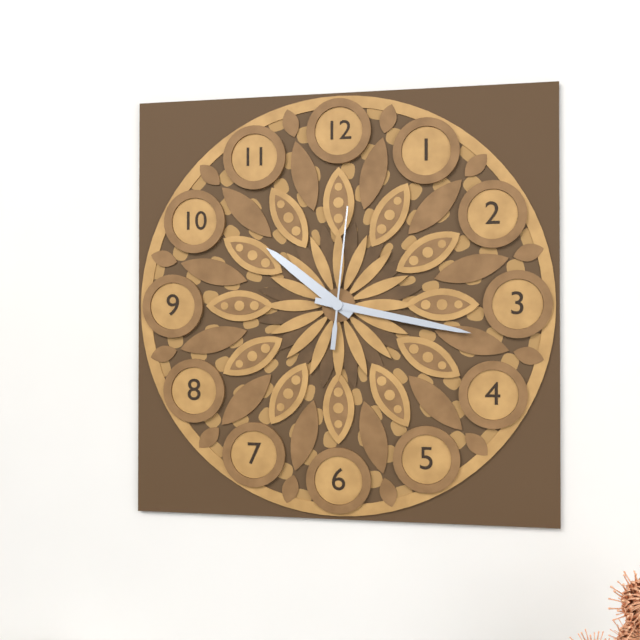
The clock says {"hour": 10, "minute": 17, "second": 1}
